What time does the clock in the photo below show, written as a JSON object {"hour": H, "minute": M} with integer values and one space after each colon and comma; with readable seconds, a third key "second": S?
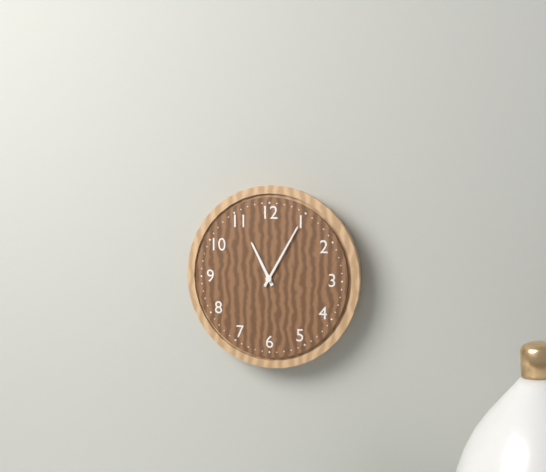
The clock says {"hour": 11, "minute": 5}
